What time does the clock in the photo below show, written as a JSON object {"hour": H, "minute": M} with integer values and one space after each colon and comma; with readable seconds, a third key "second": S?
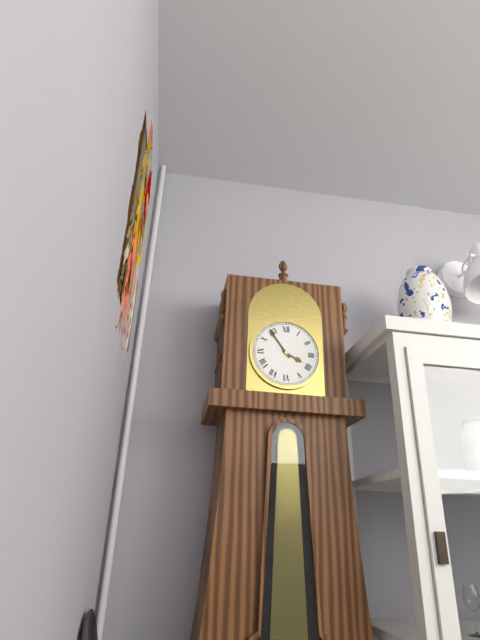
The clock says {"hour": 3, "minute": 54}
